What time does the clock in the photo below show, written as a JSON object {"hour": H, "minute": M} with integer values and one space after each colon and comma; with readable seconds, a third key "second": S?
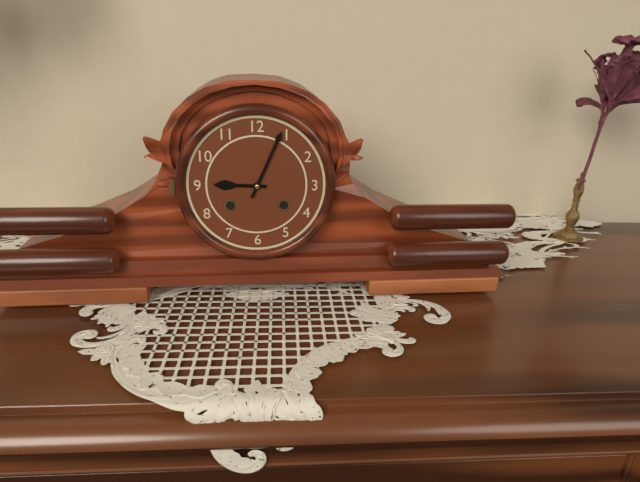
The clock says {"hour": 9, "minute": 4}
